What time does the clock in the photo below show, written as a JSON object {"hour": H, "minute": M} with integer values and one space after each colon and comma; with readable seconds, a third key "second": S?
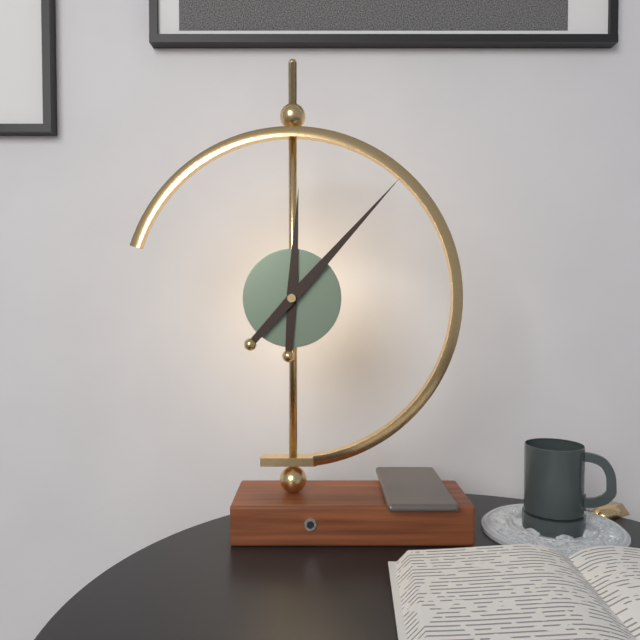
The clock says {"hour": 12, "minute": 7}
